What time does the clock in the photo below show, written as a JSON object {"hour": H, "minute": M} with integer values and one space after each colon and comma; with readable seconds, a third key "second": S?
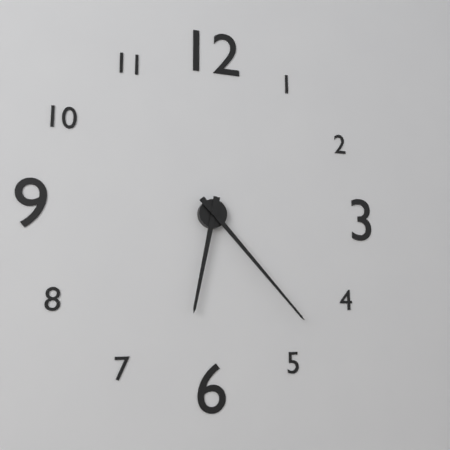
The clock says {"hour": 6, "minute": 23}
